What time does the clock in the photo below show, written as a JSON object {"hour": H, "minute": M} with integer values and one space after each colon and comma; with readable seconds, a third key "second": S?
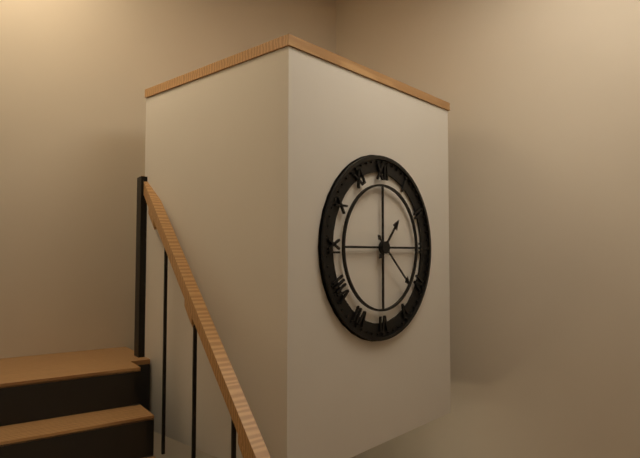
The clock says {"hour": 1, "minute": 22}
